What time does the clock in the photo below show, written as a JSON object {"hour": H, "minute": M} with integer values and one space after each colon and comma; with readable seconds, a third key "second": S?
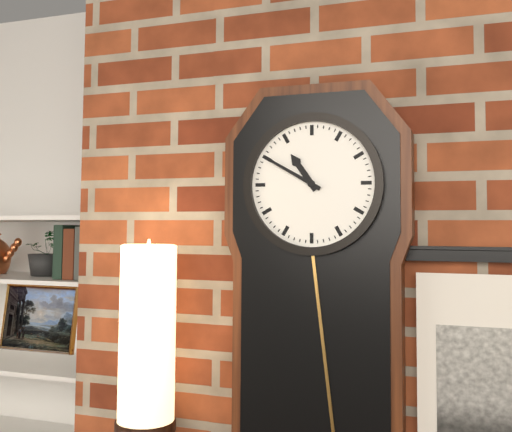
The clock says {"hour": 10, "minute": 50}
